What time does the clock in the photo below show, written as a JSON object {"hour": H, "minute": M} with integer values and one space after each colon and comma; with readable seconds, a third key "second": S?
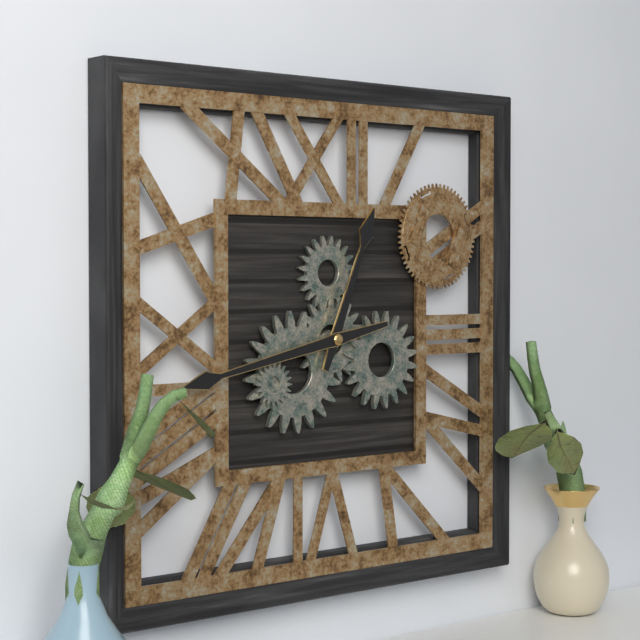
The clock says {"hour": 12, "minute": 43}
